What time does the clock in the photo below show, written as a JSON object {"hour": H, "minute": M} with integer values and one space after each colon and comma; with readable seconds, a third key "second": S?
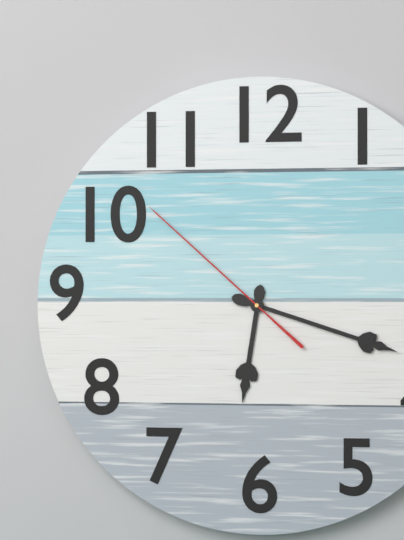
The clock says {"hour": 6, "minute": 18, "second": 52}
